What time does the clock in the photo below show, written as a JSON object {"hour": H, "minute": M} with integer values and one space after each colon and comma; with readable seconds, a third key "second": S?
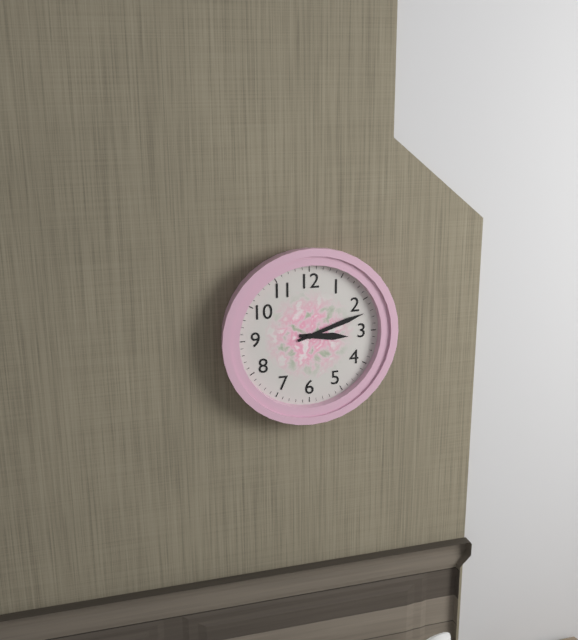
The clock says {"hour": 3, "minute": 12}
